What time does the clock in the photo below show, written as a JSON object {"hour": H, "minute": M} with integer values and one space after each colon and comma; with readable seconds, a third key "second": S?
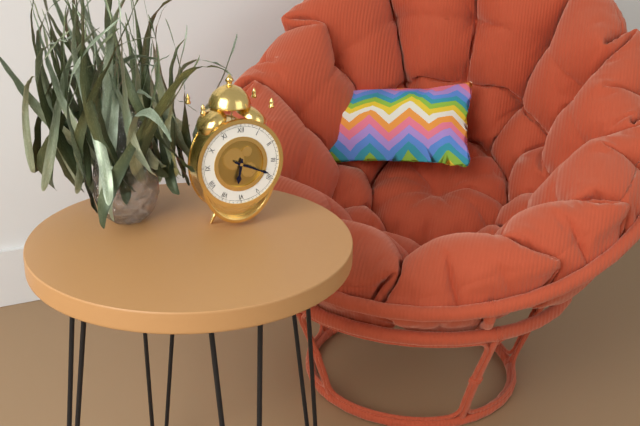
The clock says {"hour": 6, "minute": 19}
